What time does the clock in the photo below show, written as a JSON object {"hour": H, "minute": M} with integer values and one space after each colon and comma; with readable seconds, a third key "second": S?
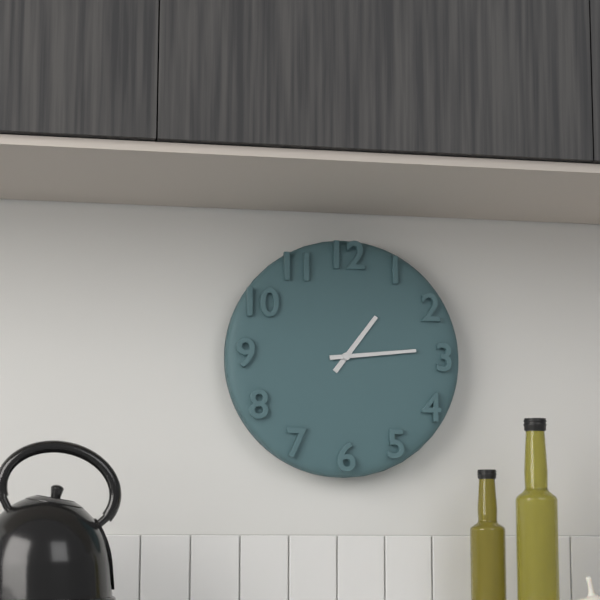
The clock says {"hour": 1, "minute": 14}
